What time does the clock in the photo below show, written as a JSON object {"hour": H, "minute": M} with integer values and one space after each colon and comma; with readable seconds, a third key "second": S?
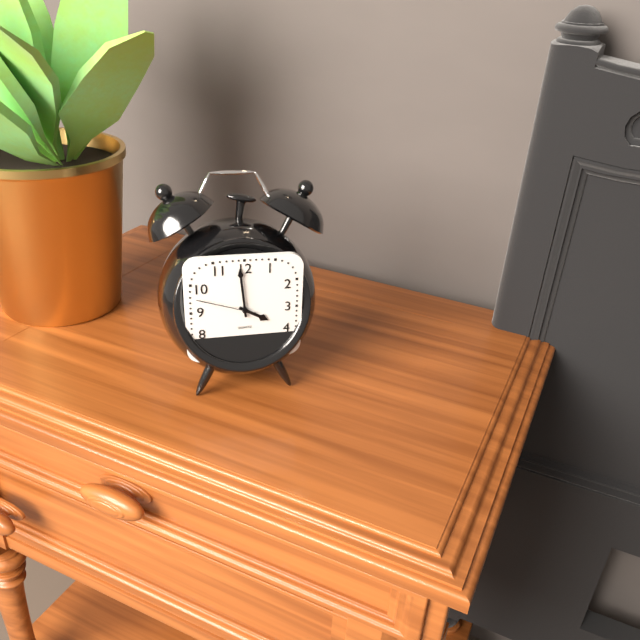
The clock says {"hour": 3, "minute": 59, "second": 48}
